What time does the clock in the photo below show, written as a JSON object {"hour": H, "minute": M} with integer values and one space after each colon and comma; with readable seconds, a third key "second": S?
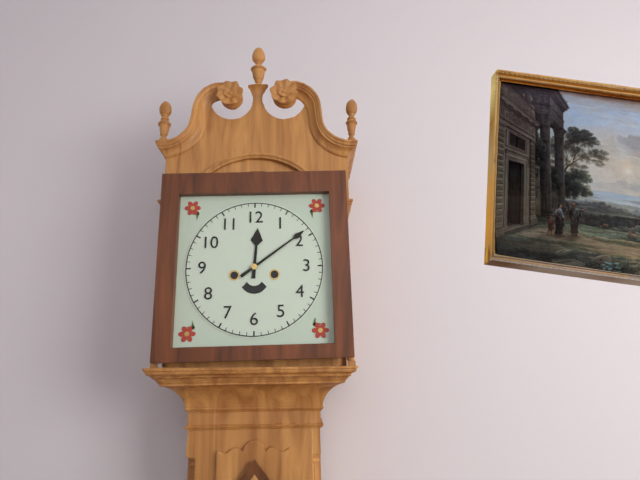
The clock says {"hour": 12, "minute": 9}
